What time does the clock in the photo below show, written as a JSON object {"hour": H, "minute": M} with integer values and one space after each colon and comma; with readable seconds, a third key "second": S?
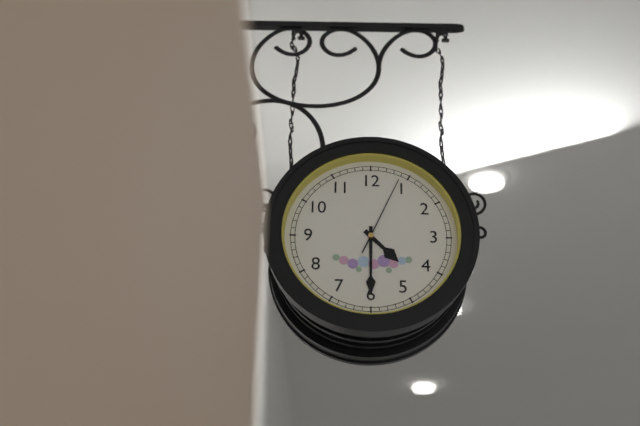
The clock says {"hour": 4, "minute": 30, "second": 4}
